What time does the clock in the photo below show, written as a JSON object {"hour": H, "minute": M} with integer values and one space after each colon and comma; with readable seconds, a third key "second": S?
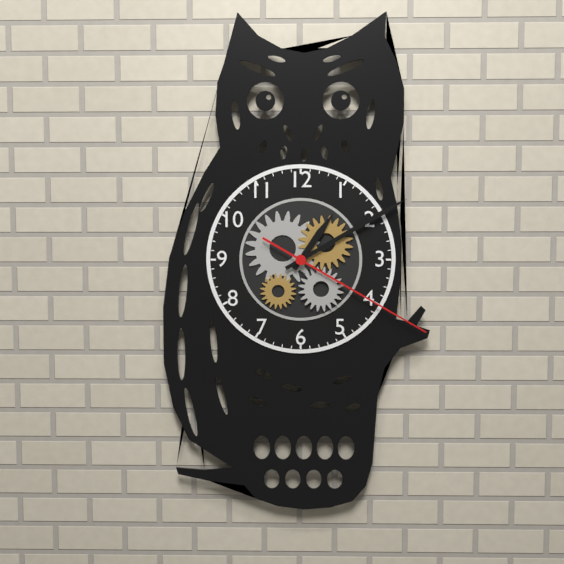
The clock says {"hour": 1, "minute": 10, "second": 20}
